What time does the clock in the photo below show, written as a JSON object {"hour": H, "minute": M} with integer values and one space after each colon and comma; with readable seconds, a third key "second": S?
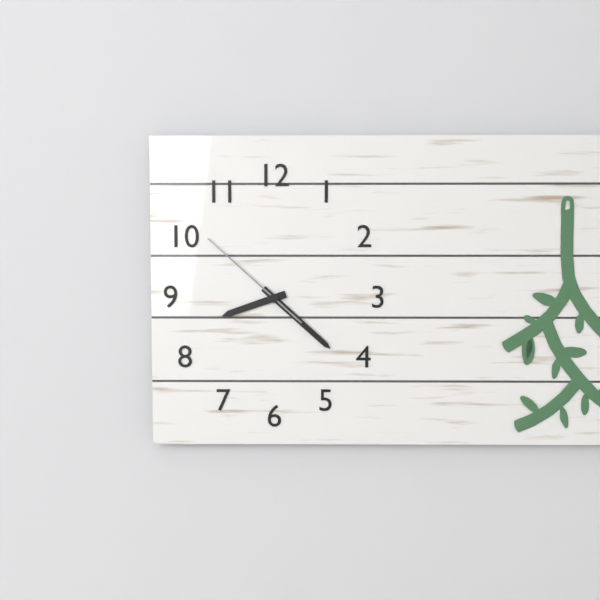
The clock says {"hour": 8, "minute": 22, "second": 52}
